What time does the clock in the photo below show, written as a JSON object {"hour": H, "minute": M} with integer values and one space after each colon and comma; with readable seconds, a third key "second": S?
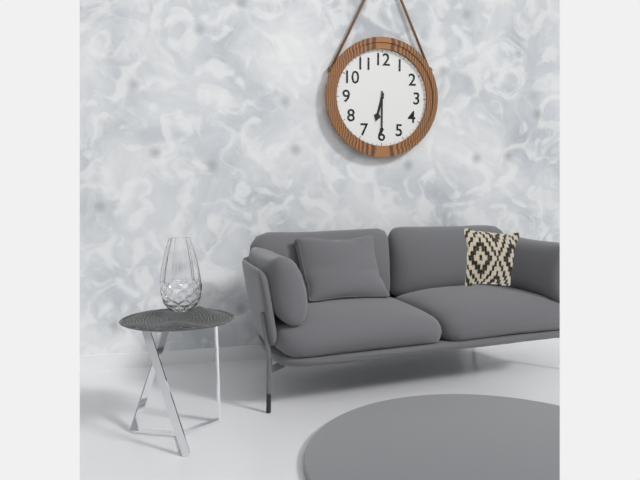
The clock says {"hour": 6, "minute": 30}
